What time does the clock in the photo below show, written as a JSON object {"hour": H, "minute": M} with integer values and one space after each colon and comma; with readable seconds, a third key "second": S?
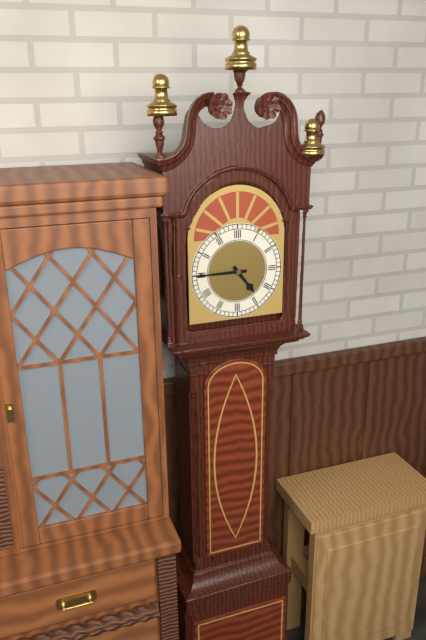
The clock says {"hour": 4, "minute": 45}
